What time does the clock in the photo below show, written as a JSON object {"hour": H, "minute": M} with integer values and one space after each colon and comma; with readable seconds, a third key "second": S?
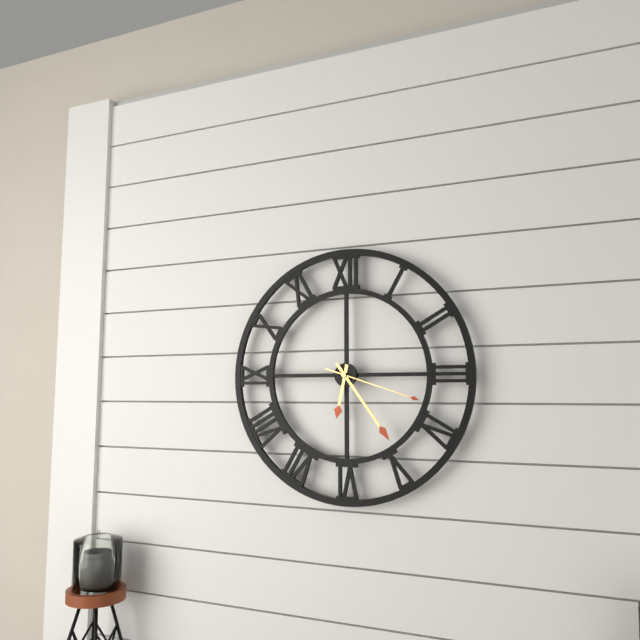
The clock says {"hour": 6, "minute": 24, "second": 18}
